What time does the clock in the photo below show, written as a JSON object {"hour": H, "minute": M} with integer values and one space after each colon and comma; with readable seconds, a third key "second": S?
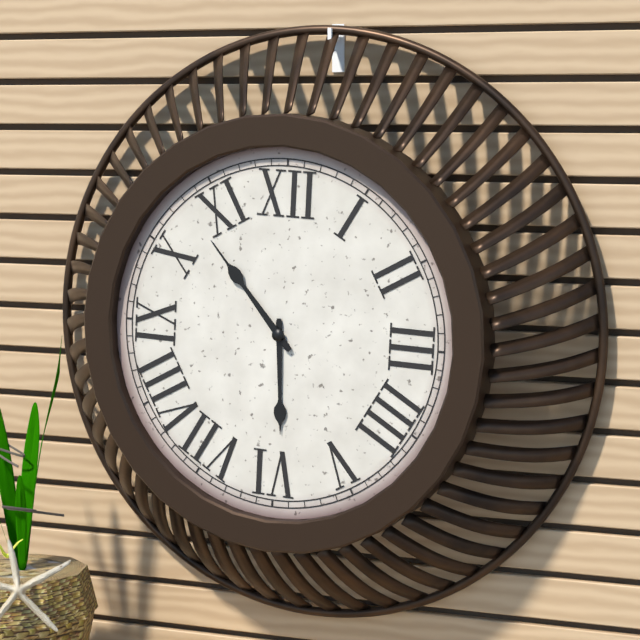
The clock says {"hour": 5, "minute": 53}
